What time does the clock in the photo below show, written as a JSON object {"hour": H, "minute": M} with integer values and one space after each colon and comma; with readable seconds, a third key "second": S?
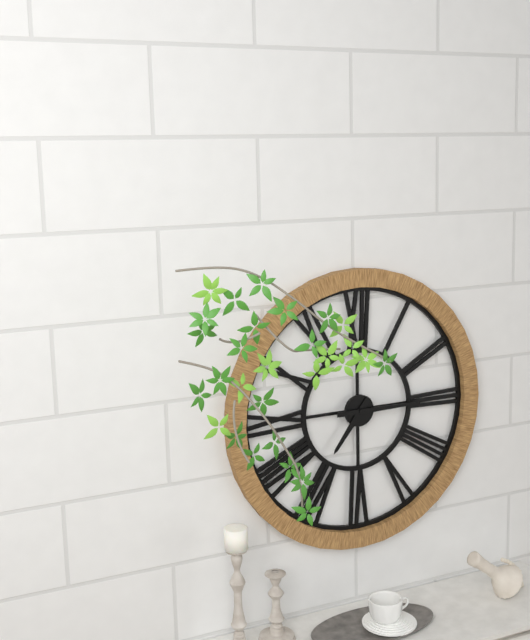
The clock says {"hour": 7, "minute": 15}
